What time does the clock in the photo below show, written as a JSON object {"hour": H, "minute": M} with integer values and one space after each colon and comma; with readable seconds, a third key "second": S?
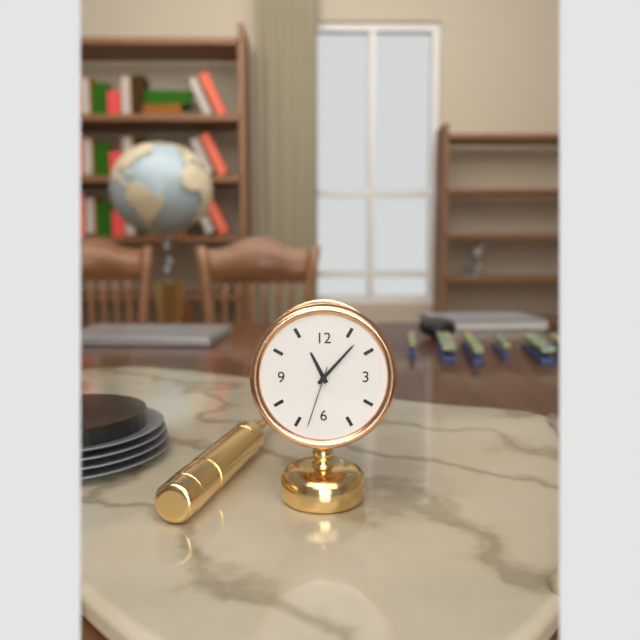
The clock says {"hour": 11, "minute": 7, "second": 33}
